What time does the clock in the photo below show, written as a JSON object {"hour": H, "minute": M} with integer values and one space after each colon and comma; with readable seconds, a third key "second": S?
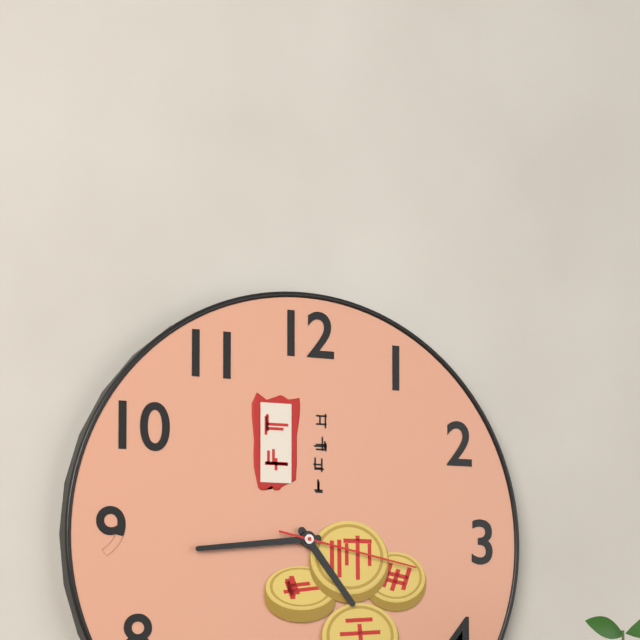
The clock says {"hour": 4, "minute": 44, "second": 17}
